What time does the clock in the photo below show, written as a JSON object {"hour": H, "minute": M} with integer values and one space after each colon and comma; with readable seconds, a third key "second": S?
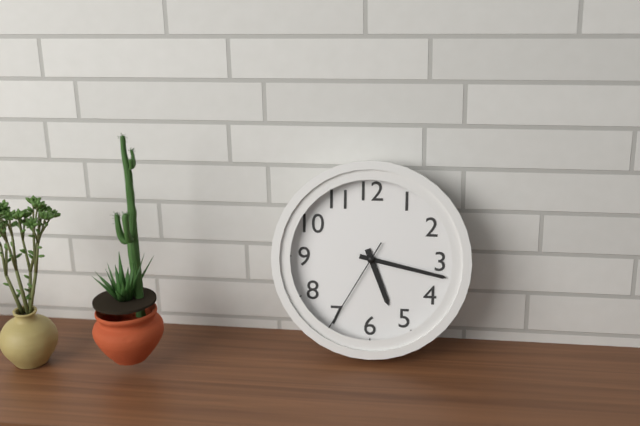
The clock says {"hour": 5, "minute": 17, "second": 35}
